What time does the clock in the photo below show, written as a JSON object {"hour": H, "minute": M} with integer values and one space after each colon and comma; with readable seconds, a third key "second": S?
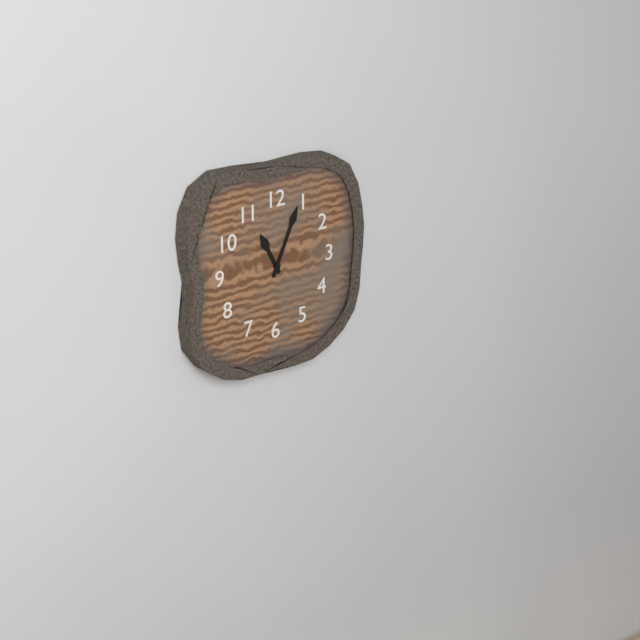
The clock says {"hour": 11, "minute": 4}
